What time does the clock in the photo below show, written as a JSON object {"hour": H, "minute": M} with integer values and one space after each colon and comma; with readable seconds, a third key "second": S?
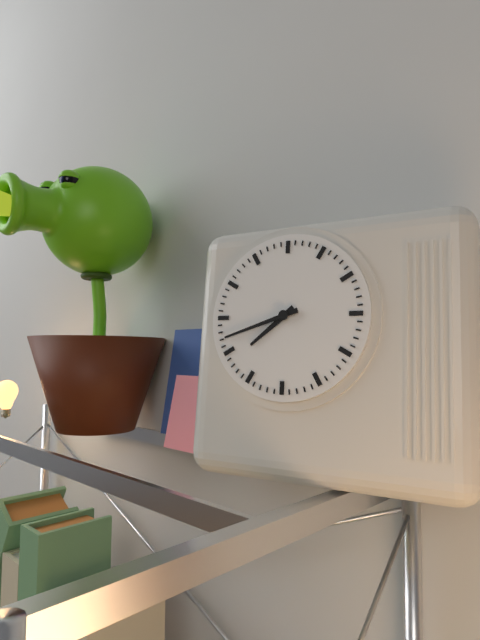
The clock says {"hour": 7, "minute": 42}
